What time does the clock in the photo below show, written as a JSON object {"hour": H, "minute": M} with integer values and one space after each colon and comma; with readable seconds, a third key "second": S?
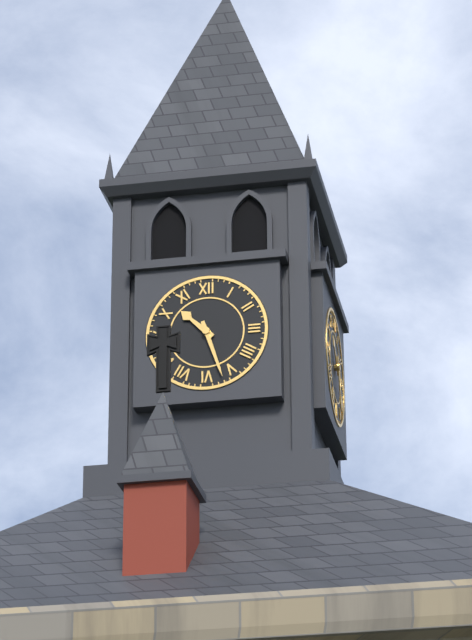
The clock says {"hour": 10, "minute": 27}
